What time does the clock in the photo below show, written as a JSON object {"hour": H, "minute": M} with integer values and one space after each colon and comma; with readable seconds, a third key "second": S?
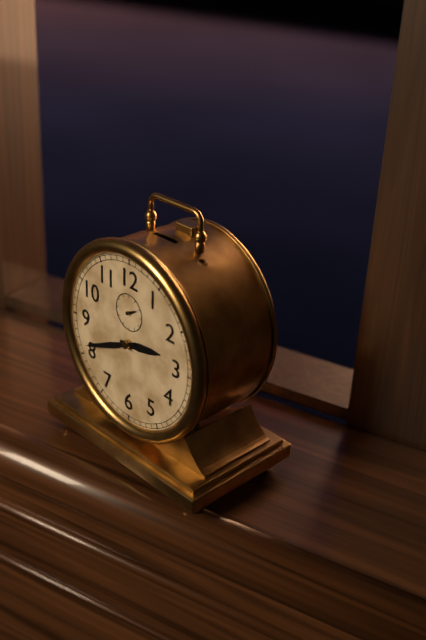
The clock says {"hour": 2, "minute": 41}
